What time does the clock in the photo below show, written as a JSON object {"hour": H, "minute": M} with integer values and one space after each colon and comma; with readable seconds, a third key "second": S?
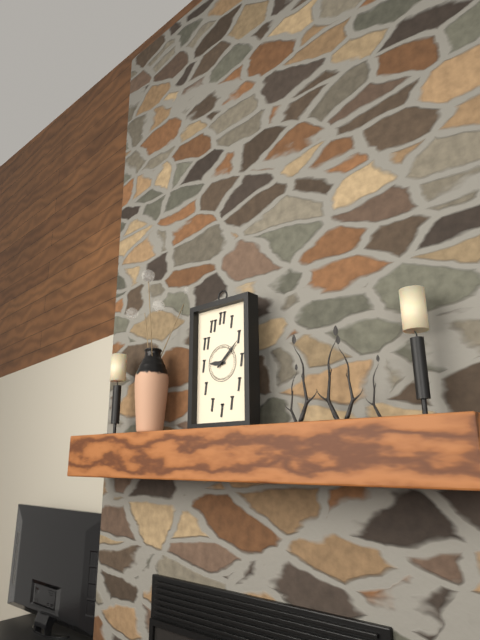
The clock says {"hour": 9, "minute": 8}
